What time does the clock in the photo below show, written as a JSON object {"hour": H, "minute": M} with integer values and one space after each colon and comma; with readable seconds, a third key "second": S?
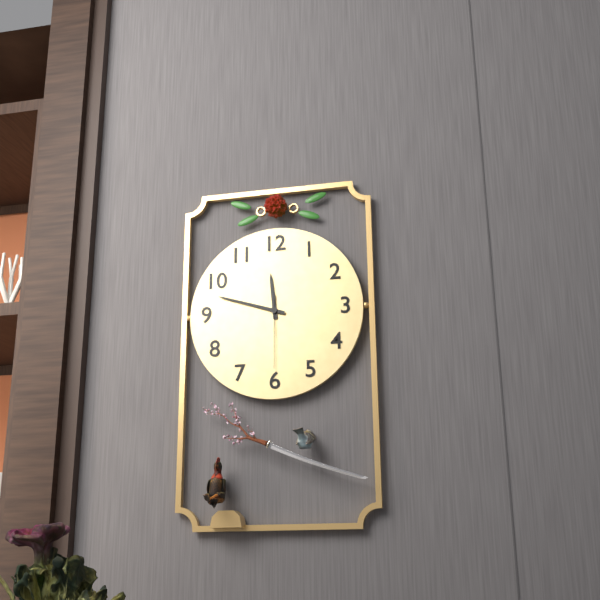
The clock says {"hour": 11, "minute": 48, "second": 30}
